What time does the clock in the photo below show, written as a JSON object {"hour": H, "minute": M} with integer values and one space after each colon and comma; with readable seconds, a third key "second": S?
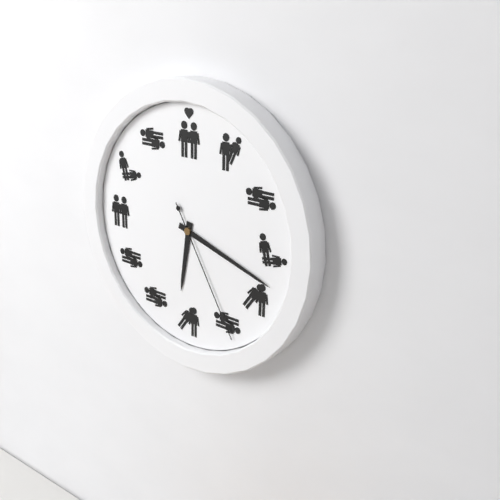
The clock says {"hour": 6, "minute": 18, "second": 25}
